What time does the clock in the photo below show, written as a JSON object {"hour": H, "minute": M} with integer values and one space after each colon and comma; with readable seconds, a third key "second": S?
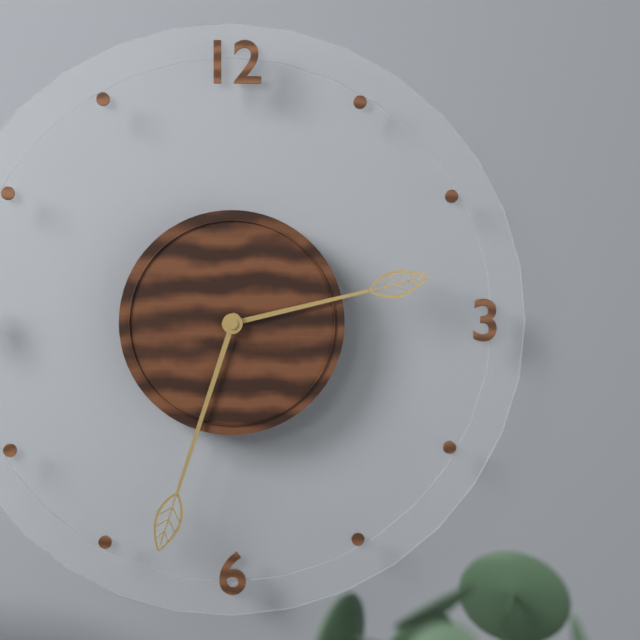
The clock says {"hour": 2, "minute": 33}
